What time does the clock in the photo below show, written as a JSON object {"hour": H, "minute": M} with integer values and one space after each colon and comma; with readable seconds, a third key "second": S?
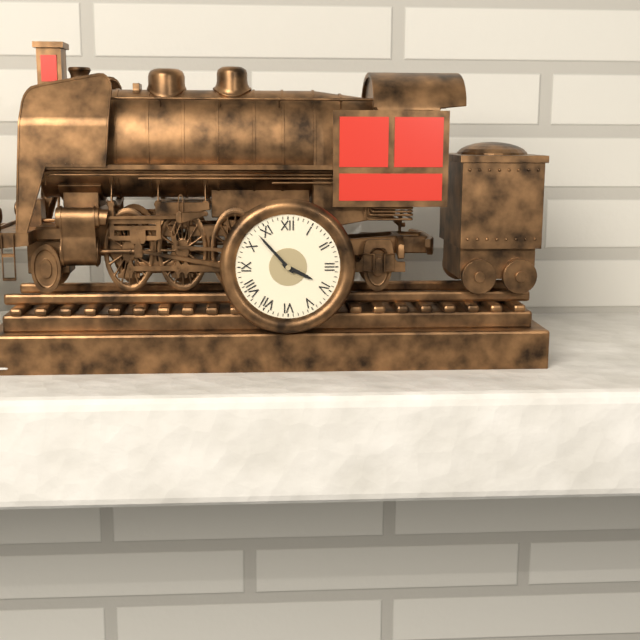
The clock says {"hour": 3, "minute": 53}
